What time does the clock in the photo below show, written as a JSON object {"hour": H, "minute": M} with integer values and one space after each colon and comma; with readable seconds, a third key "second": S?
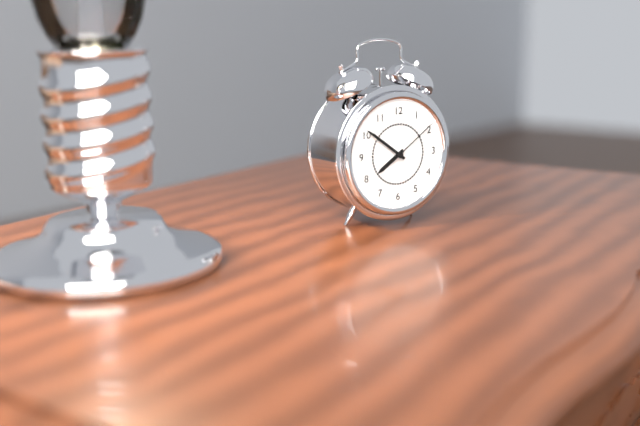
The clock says {"hour": 7, "minute": 51, "second": 9}
